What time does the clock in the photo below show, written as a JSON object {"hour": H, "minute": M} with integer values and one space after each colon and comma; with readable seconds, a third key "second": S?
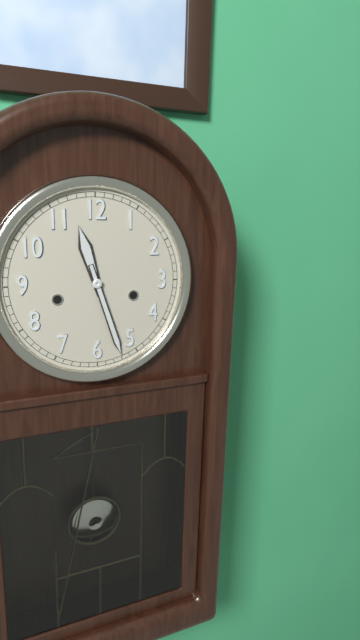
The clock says {"hour": 11, "minute": 27}
